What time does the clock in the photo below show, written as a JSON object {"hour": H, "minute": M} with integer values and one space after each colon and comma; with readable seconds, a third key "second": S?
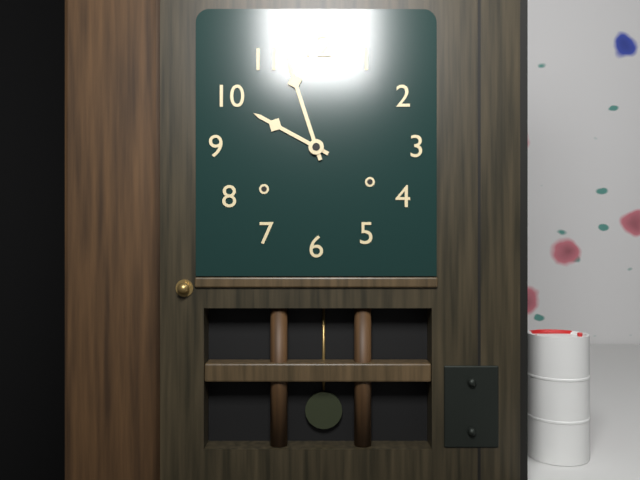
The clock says {"hour": 9, "minute": 57}
